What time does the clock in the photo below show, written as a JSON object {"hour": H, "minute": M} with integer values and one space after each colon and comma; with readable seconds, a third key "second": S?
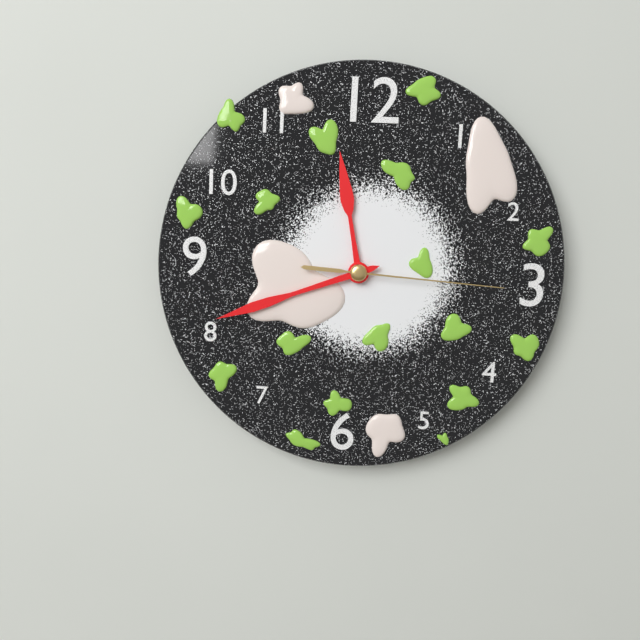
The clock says {"hour": 11, "minute": 42, "second": 16}
